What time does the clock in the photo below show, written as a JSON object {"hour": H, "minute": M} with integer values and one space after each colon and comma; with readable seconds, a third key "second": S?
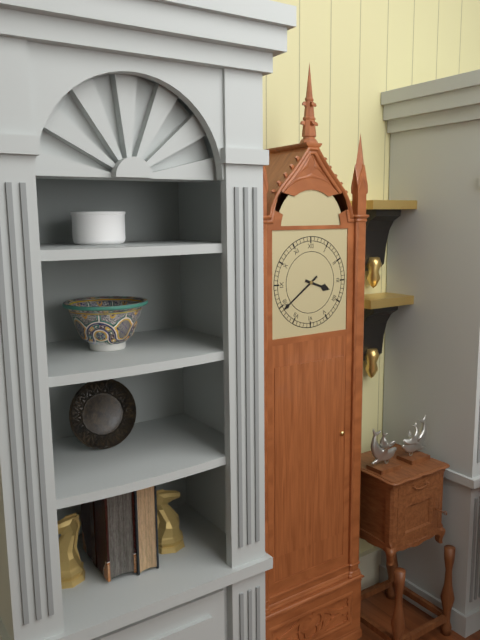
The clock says {"hour": 3, "minute": 39}
